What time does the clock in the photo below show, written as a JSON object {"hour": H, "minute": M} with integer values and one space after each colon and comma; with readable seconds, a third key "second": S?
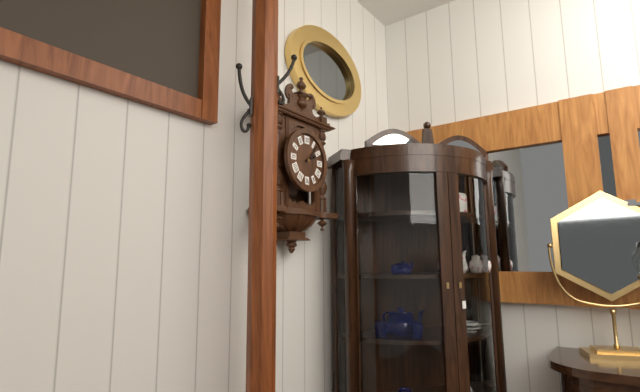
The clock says {"hour": 2, "minute": 7}
